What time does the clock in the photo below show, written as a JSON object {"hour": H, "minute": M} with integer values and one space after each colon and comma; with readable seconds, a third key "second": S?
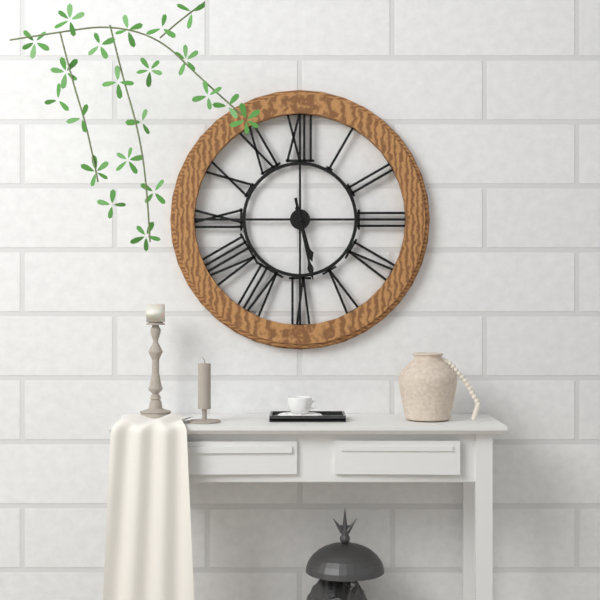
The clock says {"hour": 5, "minute": 28}
